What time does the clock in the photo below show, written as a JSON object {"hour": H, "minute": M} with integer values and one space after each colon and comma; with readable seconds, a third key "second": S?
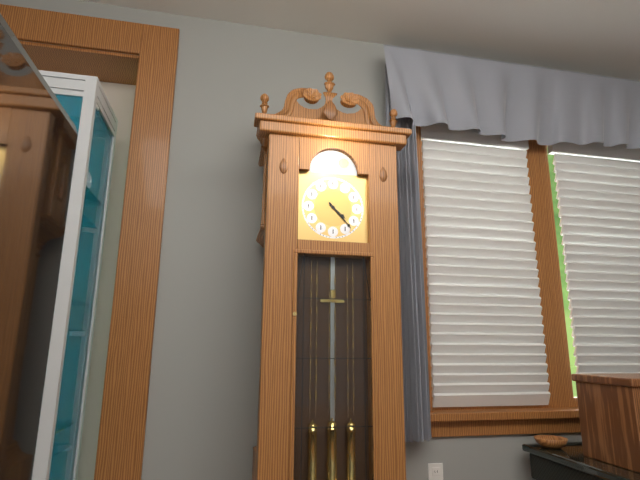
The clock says {"hour": 4, "minute": 23}
